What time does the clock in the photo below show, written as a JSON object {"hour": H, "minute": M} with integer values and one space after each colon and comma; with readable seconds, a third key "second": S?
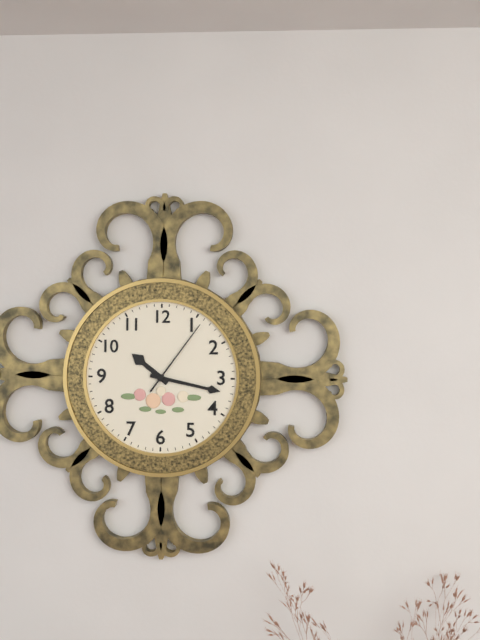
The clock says {"hour": 10, "minute": 17, "second": 6}
